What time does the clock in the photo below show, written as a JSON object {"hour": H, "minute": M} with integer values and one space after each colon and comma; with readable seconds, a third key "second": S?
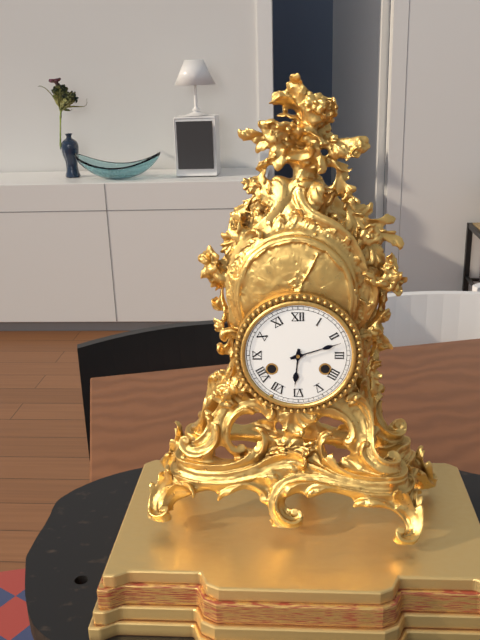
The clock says {"hour": 6, "minute": 12}
